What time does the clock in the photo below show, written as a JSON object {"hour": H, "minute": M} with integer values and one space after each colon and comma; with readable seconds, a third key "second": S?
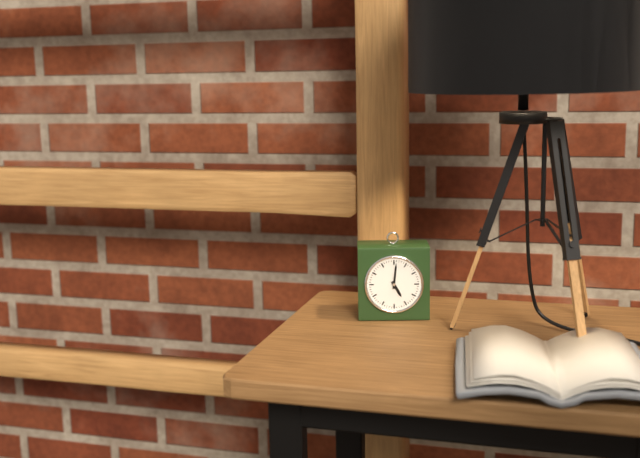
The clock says {"hour": 5, "minute": 1}
